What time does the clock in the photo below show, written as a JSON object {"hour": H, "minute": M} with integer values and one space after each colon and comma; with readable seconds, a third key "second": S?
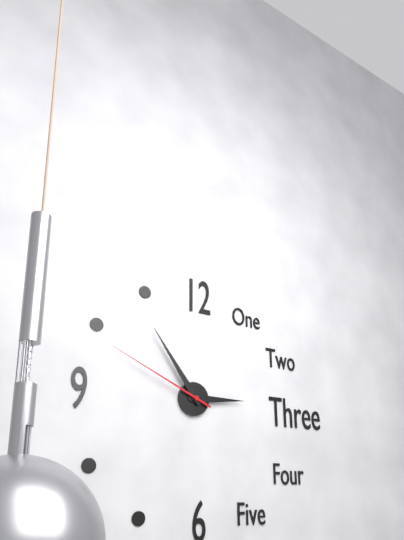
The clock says {"hour": 2, "minute": 54, "second": 49}
